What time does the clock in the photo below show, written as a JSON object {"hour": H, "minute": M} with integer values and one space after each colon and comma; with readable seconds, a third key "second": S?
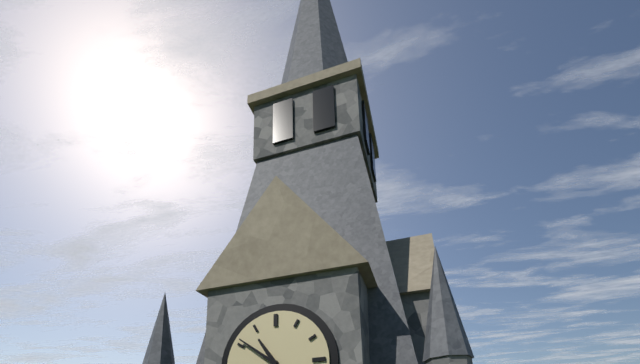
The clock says {"hour": 10, "minute": 51}
